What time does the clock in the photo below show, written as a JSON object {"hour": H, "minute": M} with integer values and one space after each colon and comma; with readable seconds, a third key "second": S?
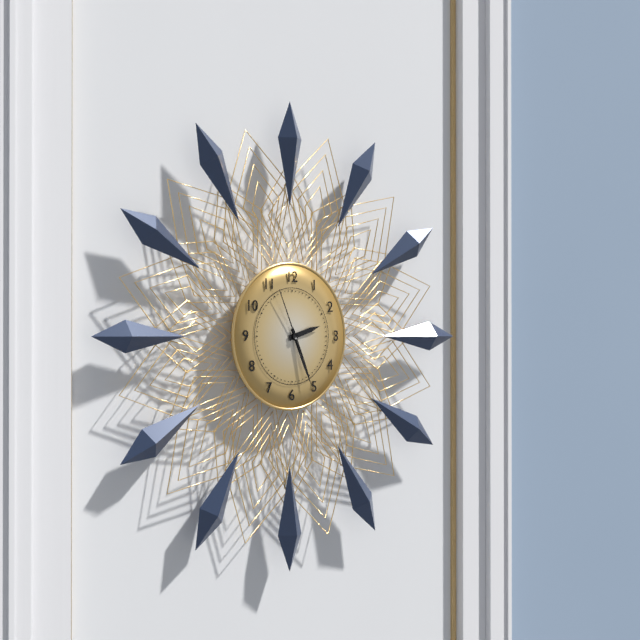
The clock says {"hour": 2, "minute": 26, "second": 56}
